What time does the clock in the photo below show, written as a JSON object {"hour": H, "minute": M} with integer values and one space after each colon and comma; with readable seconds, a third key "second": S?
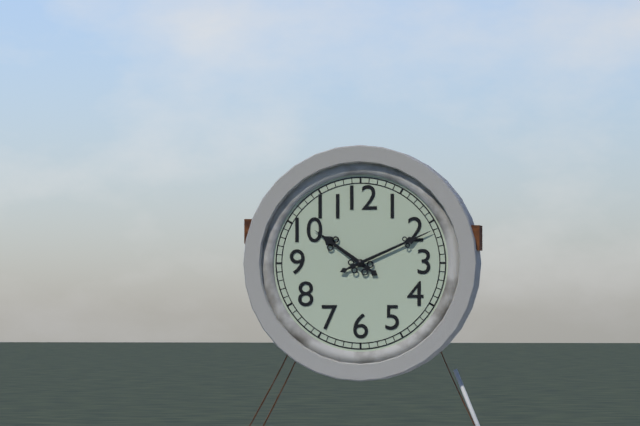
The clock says {"hour": 10, "minute": 11}
